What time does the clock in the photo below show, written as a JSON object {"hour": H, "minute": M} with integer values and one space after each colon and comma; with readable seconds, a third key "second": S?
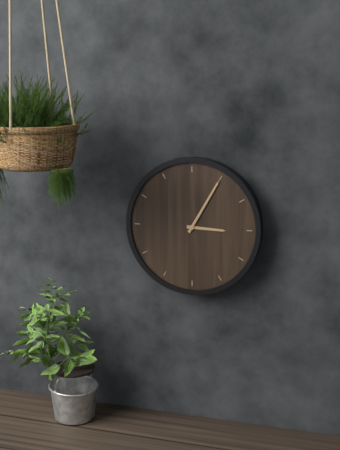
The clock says {"hour": 3, "minute": 5}
